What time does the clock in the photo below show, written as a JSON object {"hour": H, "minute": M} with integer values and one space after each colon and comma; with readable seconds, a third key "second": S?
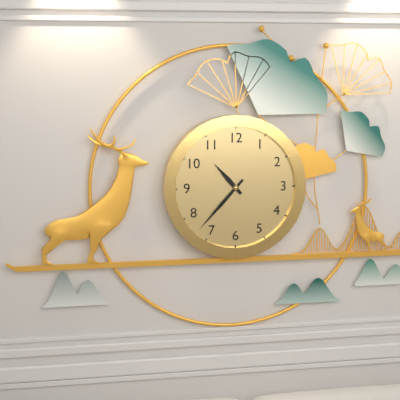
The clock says {"hour": 10, "minute": 37}
